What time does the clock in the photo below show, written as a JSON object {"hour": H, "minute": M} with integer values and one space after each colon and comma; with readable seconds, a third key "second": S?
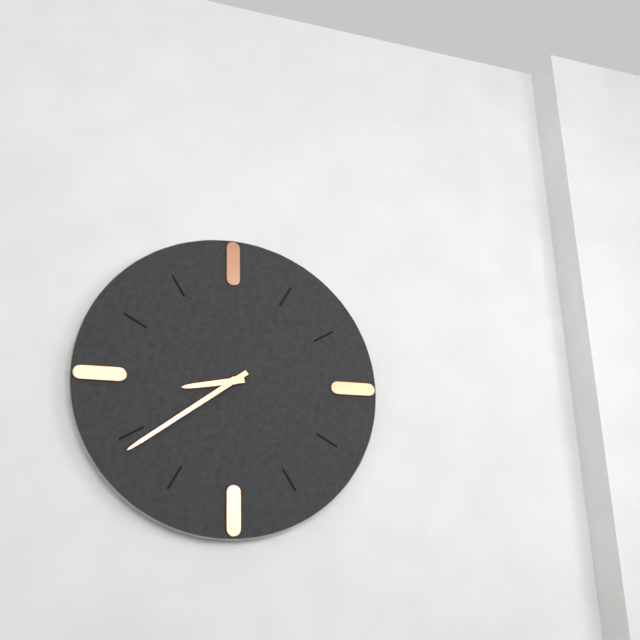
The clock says {"hour": 8, "minute": 39}
